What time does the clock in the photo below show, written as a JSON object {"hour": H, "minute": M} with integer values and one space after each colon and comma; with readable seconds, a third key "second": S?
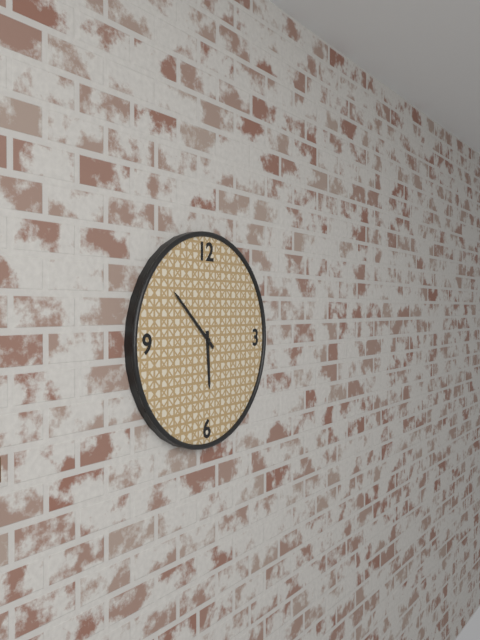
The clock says {"hour": 5, "minute": 52}
